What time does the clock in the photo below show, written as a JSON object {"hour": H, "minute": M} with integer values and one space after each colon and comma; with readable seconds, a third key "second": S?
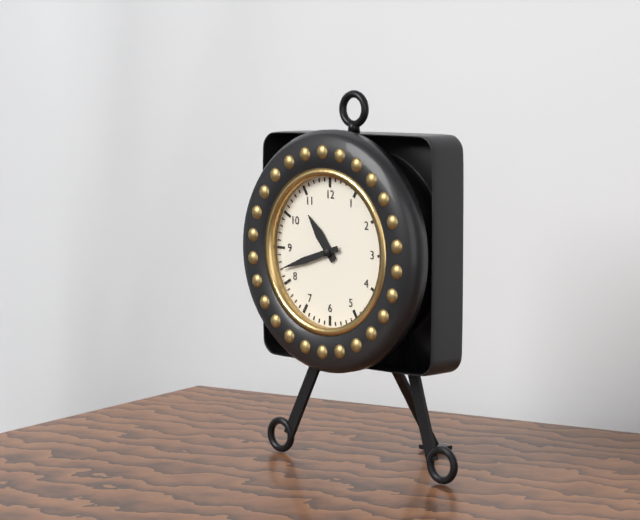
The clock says {"hour": 10, "minute": 42}
